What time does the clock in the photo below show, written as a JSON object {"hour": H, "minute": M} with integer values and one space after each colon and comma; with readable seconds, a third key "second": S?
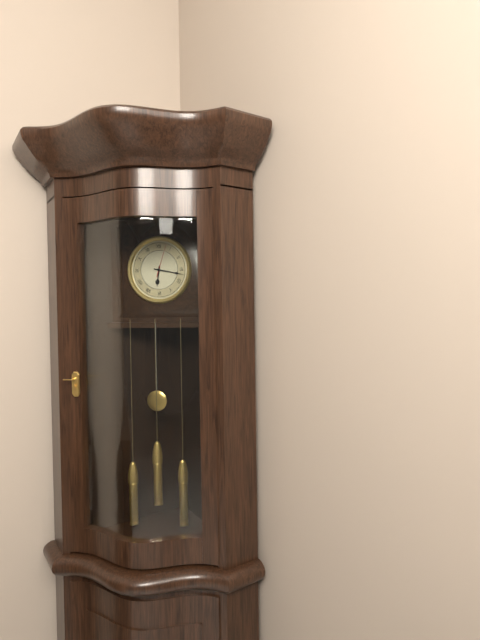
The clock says {"hour": 6, "minute": 17}
